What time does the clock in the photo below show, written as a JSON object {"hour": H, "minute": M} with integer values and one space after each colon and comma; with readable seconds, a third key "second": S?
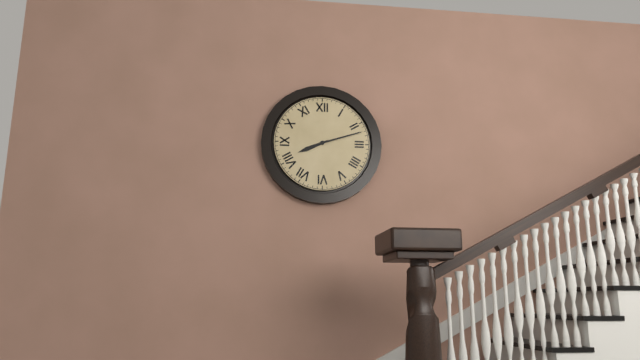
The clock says {"hour": 8, "minute": 12}
